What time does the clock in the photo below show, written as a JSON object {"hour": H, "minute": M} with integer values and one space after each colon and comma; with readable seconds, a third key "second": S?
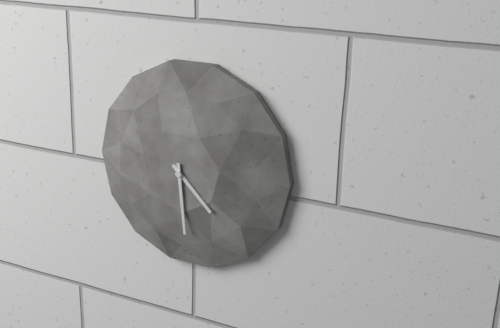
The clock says {"hour": 4, "minute": 29}
